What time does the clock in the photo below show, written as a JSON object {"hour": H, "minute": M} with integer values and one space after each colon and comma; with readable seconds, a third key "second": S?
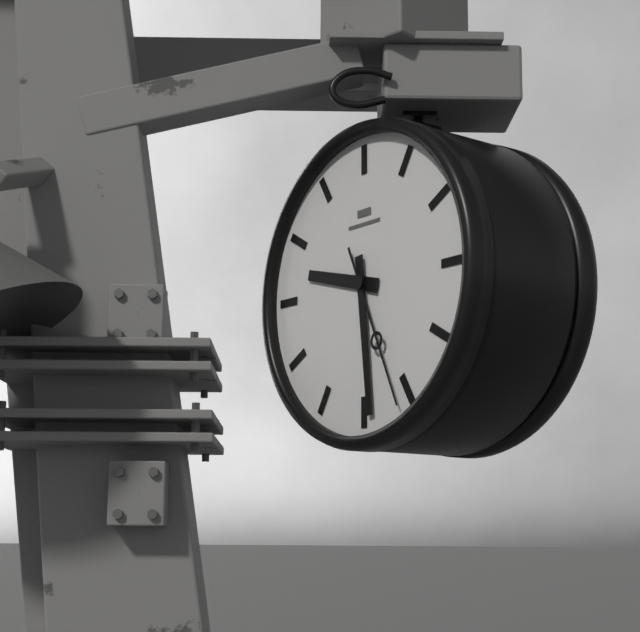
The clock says {"hour": 9, "minute": 29, "second": 26}
